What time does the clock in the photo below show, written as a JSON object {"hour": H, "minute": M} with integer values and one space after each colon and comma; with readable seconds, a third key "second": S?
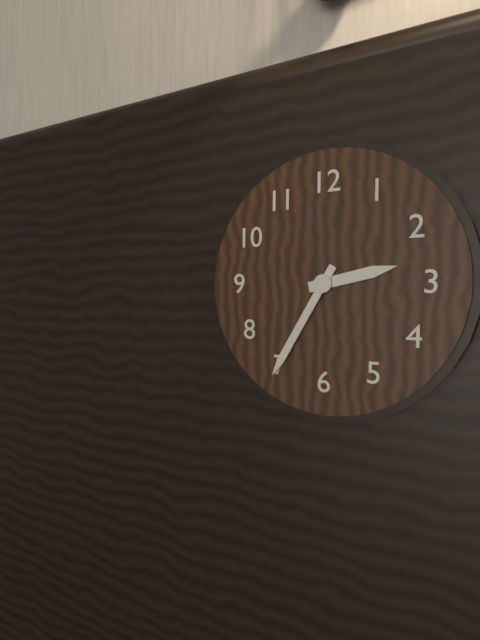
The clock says {"hour": 2, "minute": 35}
